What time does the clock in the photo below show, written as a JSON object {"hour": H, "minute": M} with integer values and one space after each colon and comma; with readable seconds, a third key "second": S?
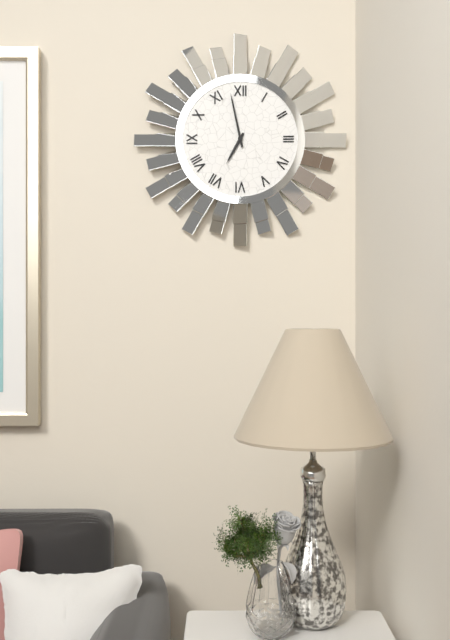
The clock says {"hour": 6, "minute": 58}
